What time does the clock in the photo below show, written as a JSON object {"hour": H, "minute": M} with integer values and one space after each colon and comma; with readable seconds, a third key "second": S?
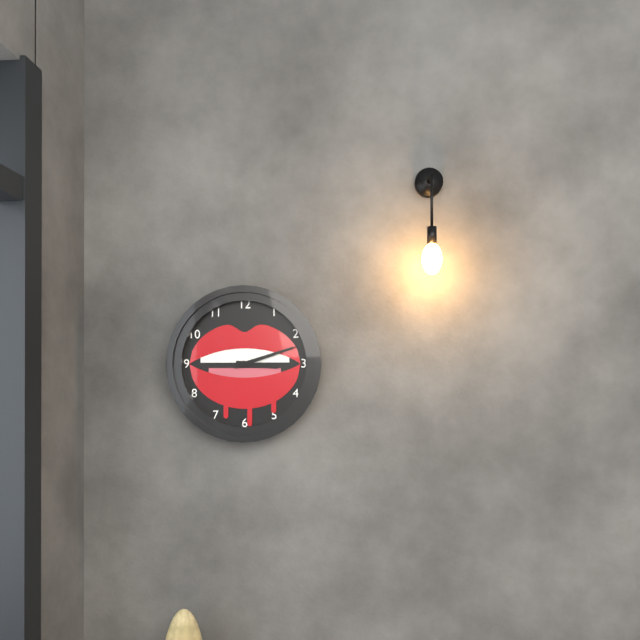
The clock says {"hour": 3, "minute": 12}
